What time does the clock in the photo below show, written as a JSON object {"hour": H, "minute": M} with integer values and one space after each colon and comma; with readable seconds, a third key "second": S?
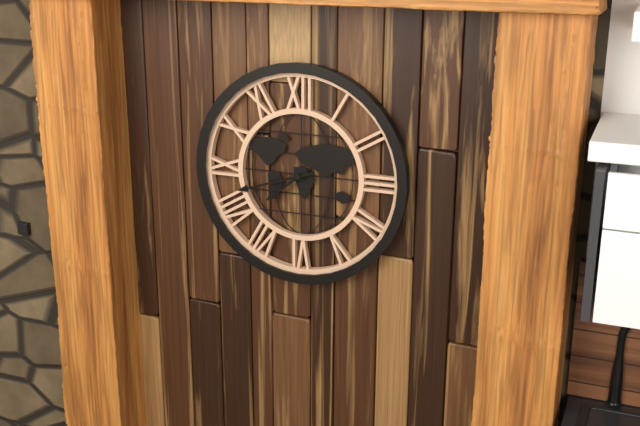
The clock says {"hour": 7, "minute": 42}
